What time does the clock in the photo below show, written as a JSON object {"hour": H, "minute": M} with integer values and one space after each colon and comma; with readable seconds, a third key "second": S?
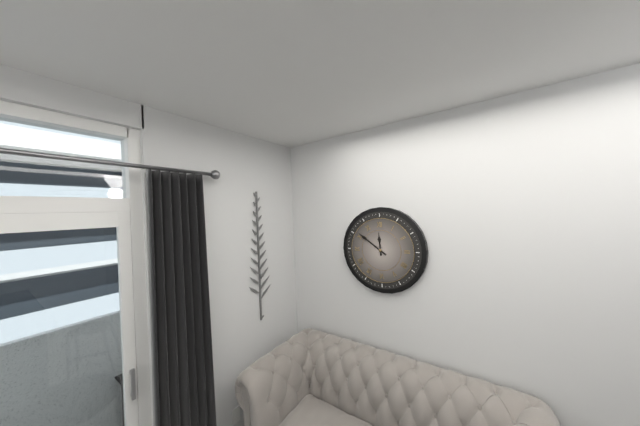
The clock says {"hour": 11, "minute": 51}
